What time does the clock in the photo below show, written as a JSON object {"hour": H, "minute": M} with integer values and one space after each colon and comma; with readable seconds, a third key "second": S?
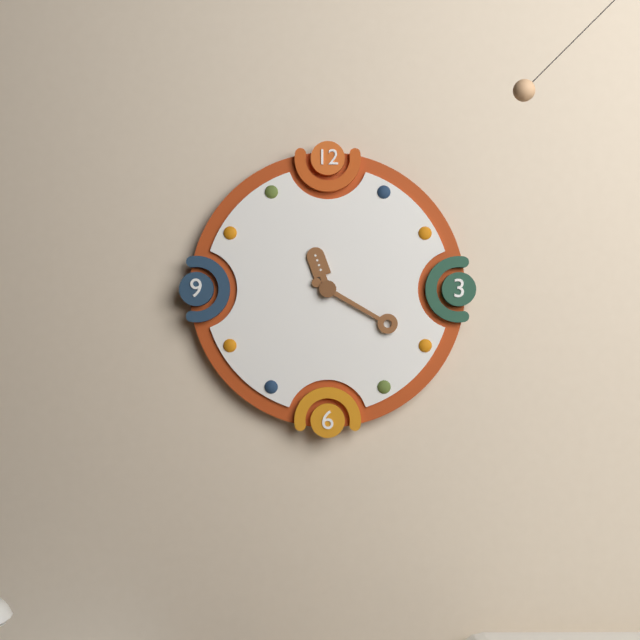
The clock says {"hour": 11, "minute": 20}
